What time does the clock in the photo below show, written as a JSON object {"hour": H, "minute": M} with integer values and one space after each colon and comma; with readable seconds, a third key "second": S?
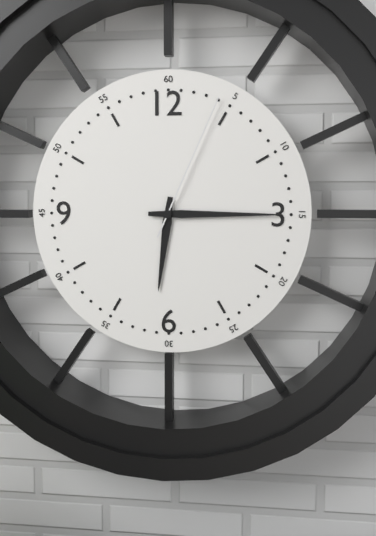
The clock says {"hour": 6, "minute": 15, "second": 4}
